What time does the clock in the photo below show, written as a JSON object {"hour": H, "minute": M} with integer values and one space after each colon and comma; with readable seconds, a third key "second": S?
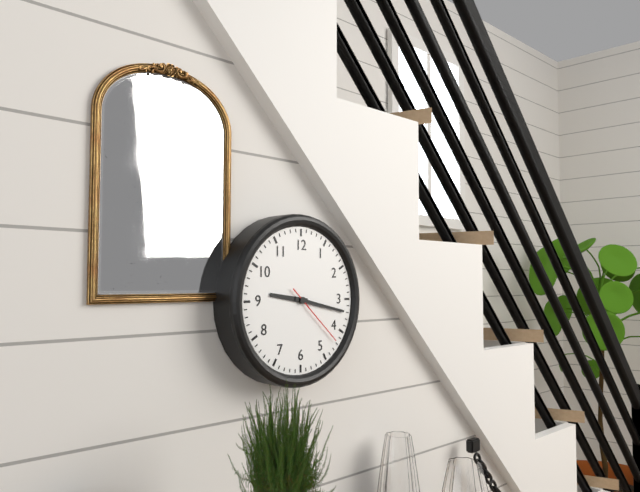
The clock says {"hour": 9, "minute": 17, "second": 22}
